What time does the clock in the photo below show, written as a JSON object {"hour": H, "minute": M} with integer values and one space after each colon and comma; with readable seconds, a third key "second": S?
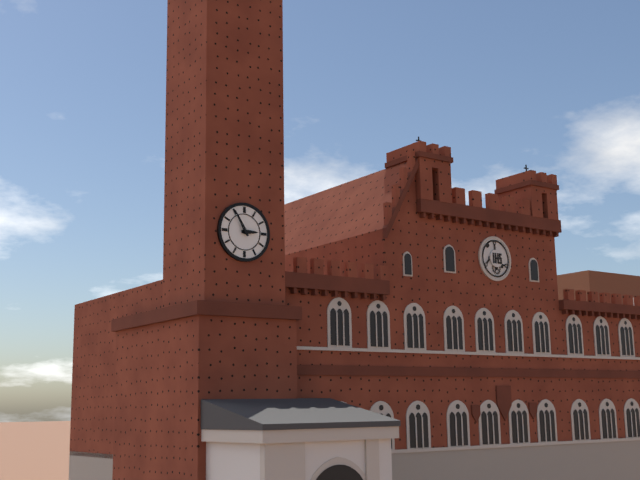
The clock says {"hour": 2, "minute": 55}
